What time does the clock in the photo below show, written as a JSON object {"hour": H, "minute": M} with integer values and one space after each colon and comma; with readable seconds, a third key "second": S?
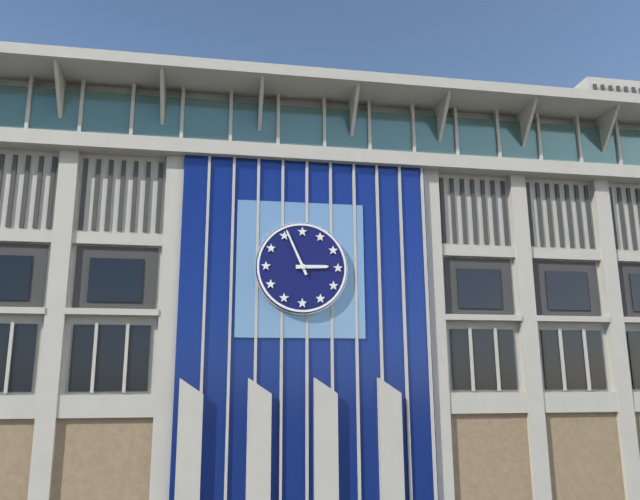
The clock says {"hour": 2, "minute": 56}
